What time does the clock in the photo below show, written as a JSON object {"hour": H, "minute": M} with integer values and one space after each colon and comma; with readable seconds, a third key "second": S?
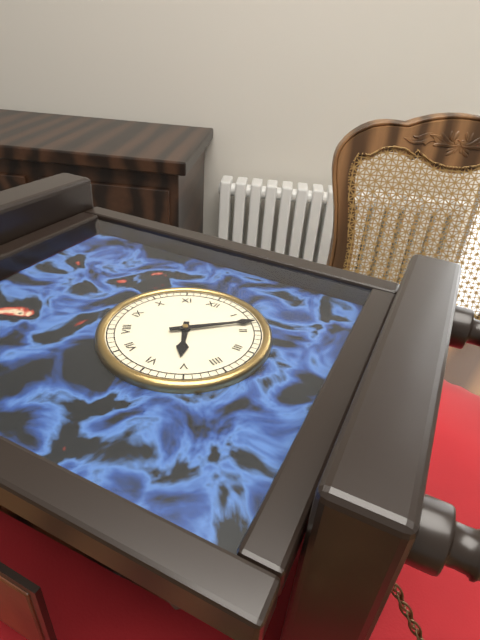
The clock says {"hour": 5, "minute": 8}
